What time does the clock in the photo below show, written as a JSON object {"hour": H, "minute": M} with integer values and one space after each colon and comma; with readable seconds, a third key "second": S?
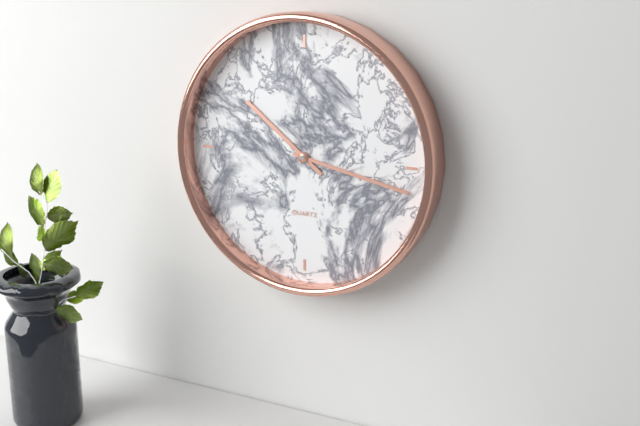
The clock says {"hour": 10, "minute": 17}
